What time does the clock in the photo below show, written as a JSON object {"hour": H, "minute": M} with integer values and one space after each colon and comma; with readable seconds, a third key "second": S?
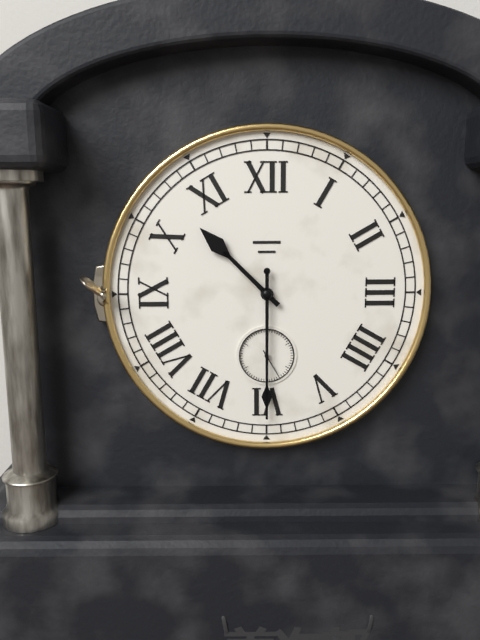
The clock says {"hour": 10, "minute": 30}
